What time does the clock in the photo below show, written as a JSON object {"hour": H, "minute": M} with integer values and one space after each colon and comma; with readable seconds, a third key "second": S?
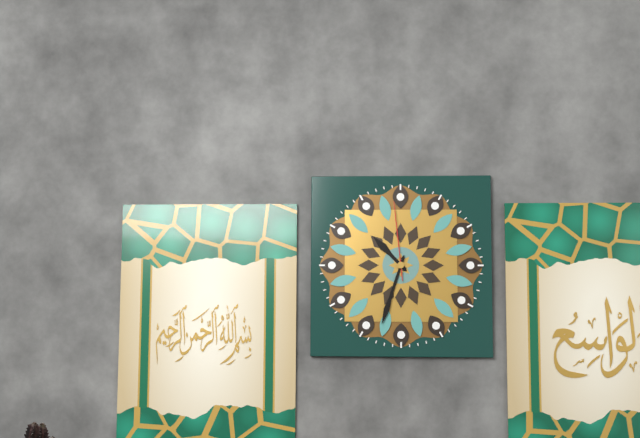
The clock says {"hour": 10, "minute": 33, "second": 59}
